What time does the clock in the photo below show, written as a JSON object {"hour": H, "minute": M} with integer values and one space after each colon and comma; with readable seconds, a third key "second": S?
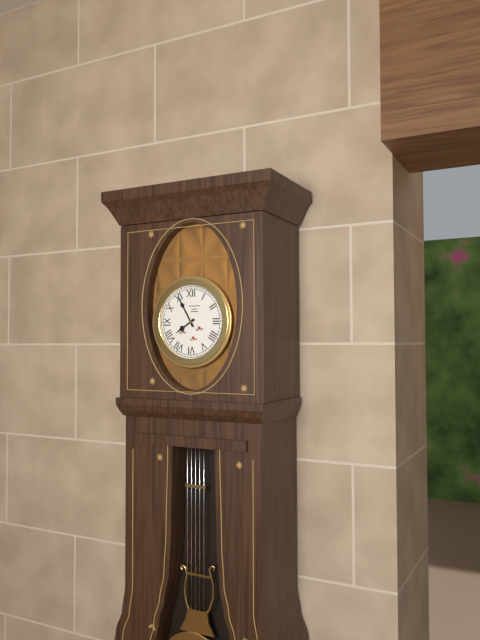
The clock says {"hour": 7, "minute": 55}
